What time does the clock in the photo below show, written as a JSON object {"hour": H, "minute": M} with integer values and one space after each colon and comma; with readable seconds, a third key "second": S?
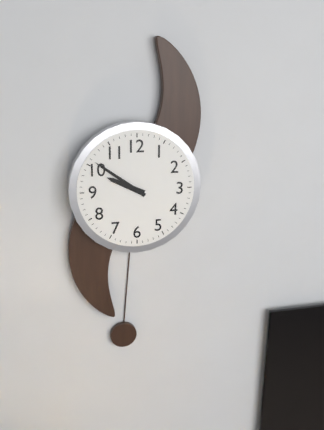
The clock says {"hour": 9, "minute": 51}
